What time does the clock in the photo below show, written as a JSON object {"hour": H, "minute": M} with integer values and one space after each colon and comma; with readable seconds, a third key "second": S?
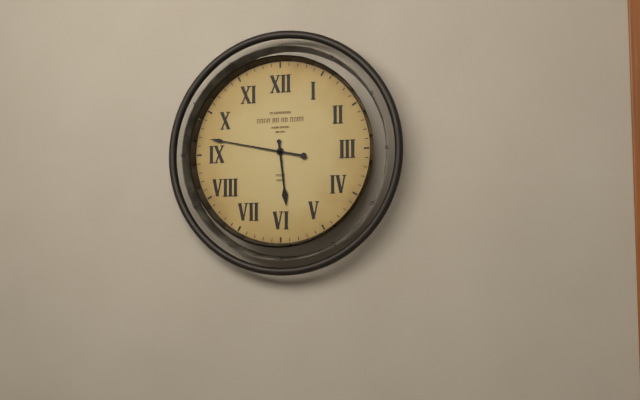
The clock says {"hour": 5, "minute": 47}
